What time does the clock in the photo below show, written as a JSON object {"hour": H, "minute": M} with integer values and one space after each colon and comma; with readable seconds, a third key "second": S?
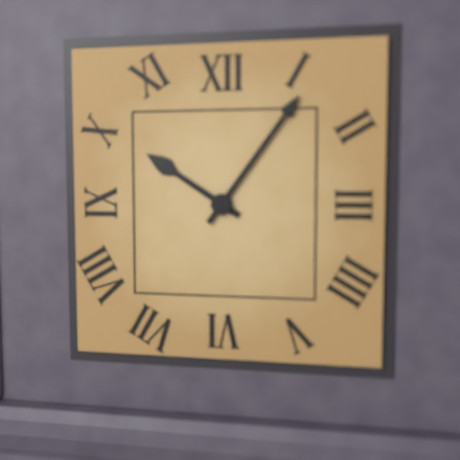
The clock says {"hour": 10, "minute": 6}
